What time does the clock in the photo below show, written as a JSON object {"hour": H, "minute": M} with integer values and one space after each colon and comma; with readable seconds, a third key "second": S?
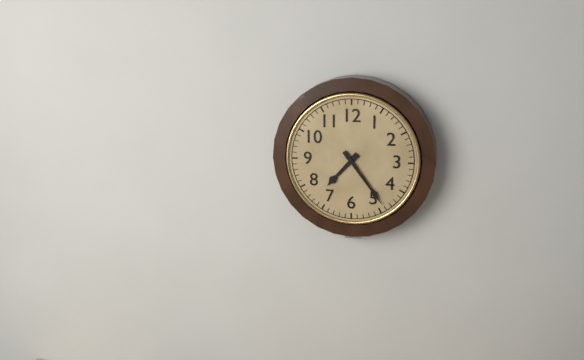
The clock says {"hour": 7, "minute": 24}
